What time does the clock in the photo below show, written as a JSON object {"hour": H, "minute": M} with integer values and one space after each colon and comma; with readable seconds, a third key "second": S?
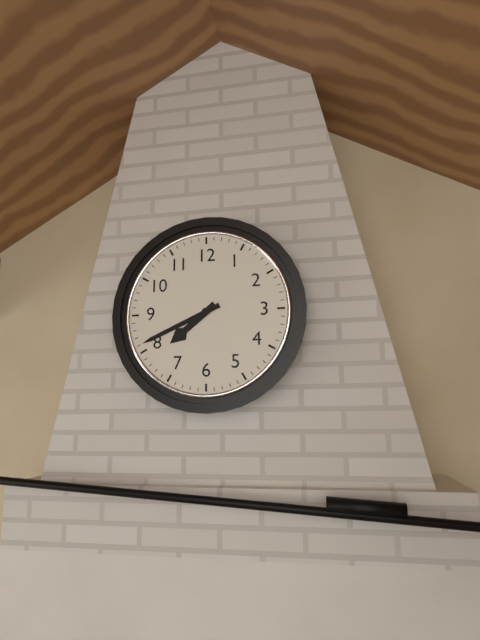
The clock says {"hour": 7, "minute": 41}
